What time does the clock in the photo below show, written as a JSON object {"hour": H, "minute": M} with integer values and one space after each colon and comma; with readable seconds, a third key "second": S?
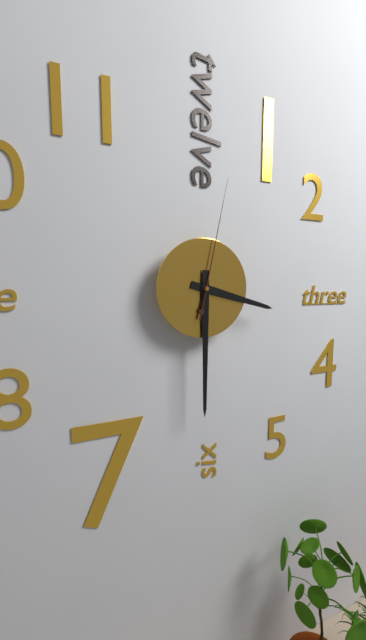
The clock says {"hour": 3, "minute": 30, "second": 2}
